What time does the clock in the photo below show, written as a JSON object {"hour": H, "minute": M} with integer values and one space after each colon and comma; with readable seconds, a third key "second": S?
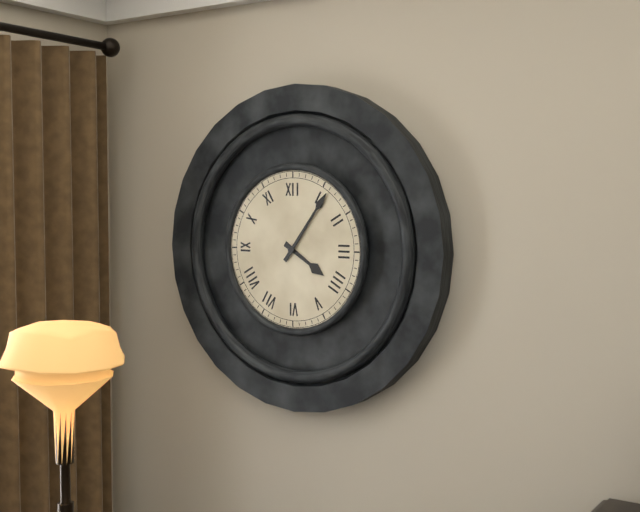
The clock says {"hour": 4, "minute": 6}
